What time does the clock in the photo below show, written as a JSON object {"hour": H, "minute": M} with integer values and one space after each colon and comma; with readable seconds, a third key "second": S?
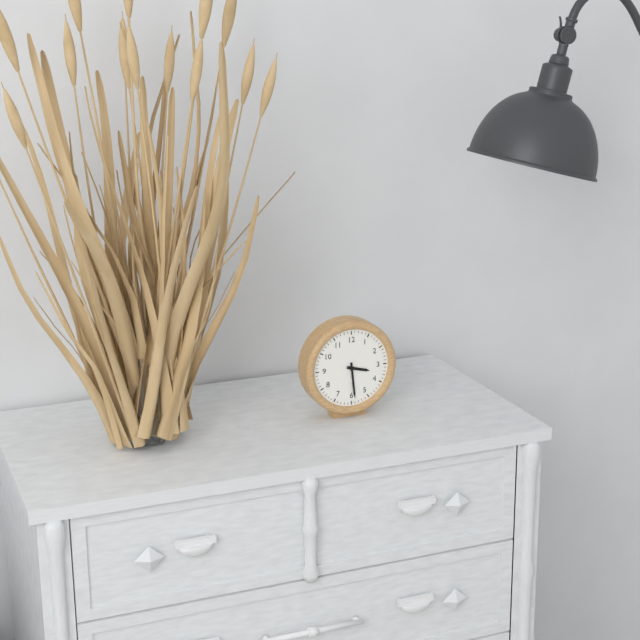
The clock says {"hour": 3, "minute": 29}
